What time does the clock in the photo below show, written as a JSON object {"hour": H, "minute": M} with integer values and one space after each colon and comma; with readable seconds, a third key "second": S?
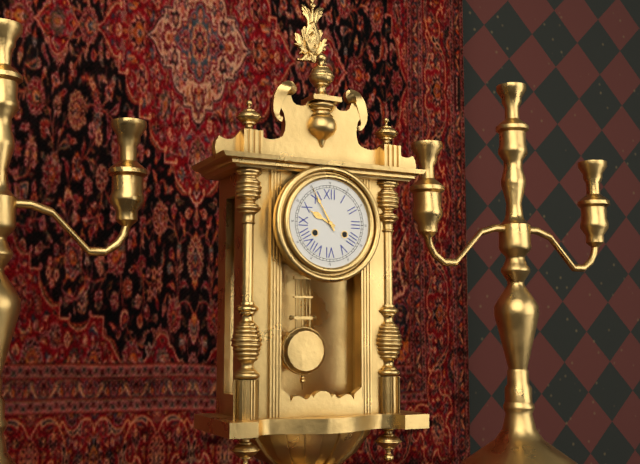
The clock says {"hour": 9, "minute": 55}
